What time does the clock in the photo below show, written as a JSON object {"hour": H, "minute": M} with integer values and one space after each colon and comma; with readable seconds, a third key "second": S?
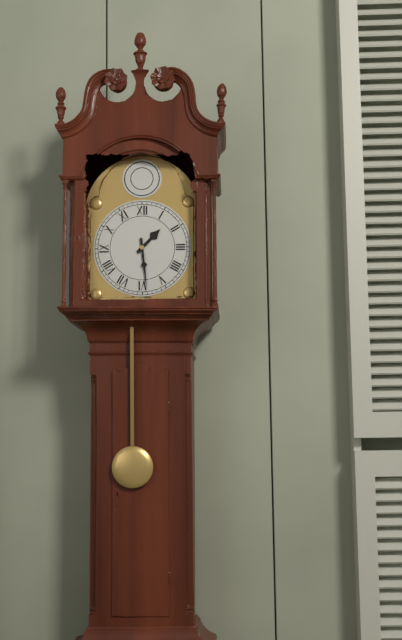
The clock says {"hour": 1, "minute": 29}
